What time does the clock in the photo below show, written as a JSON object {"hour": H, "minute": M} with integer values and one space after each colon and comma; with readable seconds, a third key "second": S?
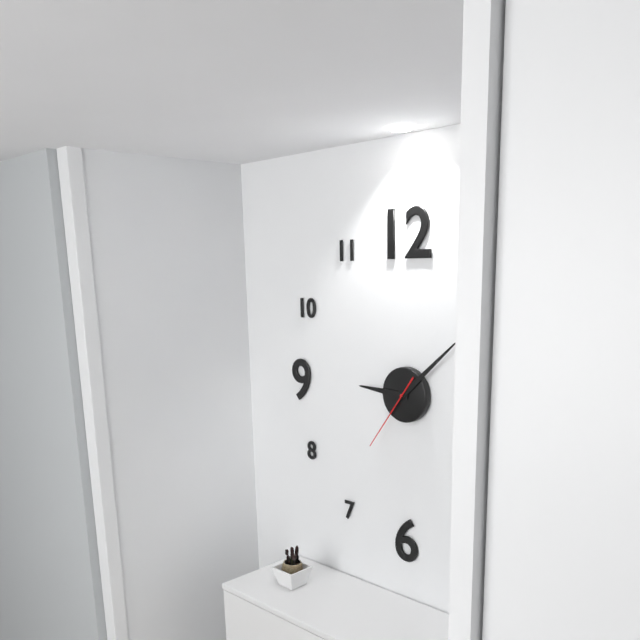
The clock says {"hour": 9, "minute": 8, "second": 36}
